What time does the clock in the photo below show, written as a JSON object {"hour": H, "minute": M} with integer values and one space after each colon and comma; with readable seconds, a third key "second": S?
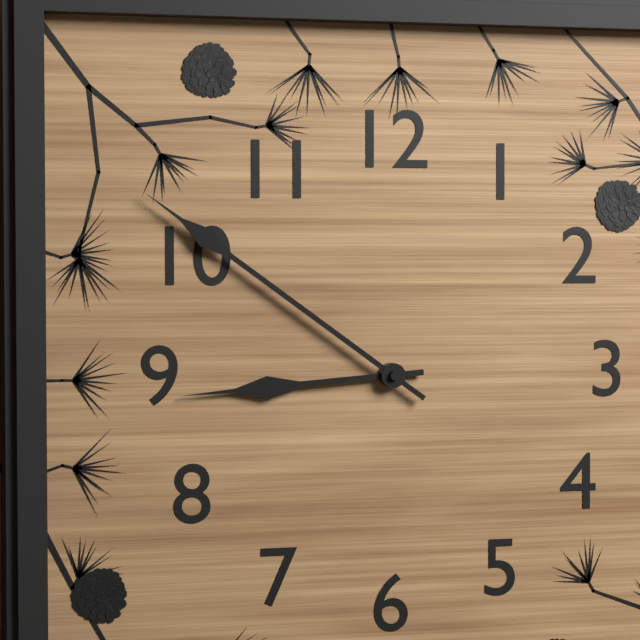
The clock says {"hour": 8, "minute": 51}
